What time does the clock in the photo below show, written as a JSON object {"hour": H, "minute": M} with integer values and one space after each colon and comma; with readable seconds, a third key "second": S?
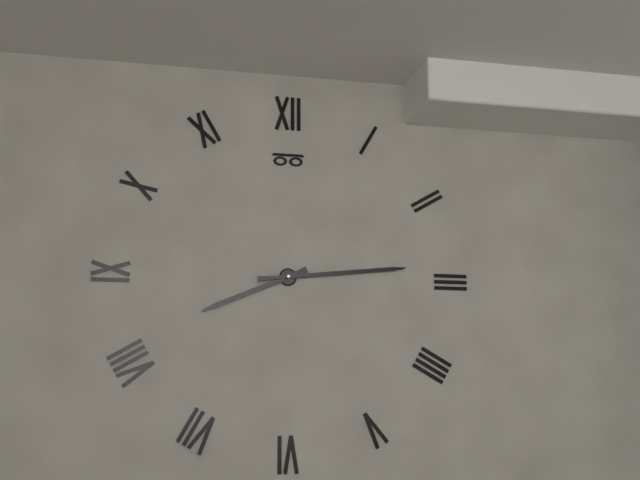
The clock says {"hour": 8, "minute": 14}
